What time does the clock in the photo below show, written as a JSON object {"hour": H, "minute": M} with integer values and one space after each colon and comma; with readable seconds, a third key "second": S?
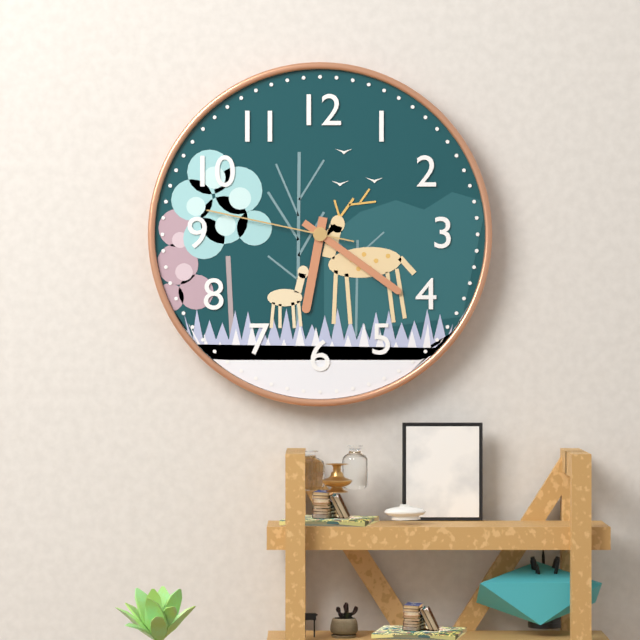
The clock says {"hour": 6, "minute": 21, "second": 47}
